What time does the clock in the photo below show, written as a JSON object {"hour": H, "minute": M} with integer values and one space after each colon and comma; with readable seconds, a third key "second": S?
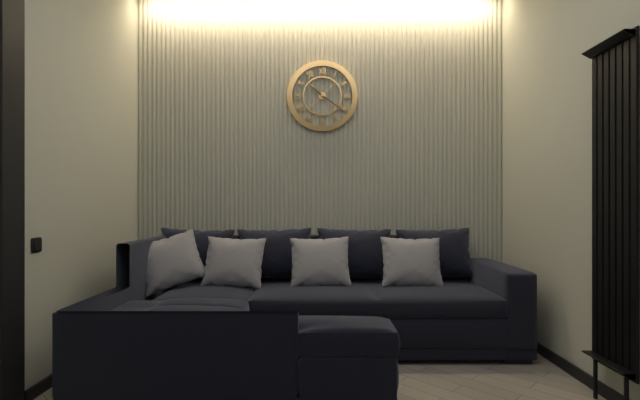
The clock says {"hour": 10, "minute": 21}
